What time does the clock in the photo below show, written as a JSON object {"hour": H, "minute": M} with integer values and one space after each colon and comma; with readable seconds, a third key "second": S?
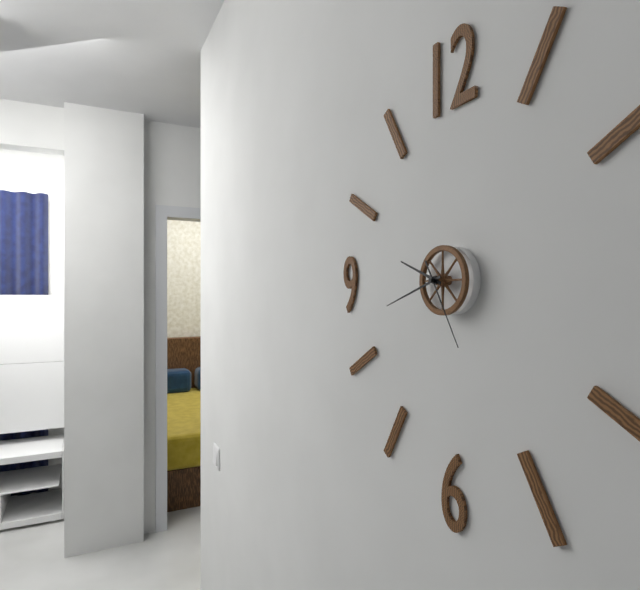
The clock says {"hour": 9, "minute": 42, "second": 25}
